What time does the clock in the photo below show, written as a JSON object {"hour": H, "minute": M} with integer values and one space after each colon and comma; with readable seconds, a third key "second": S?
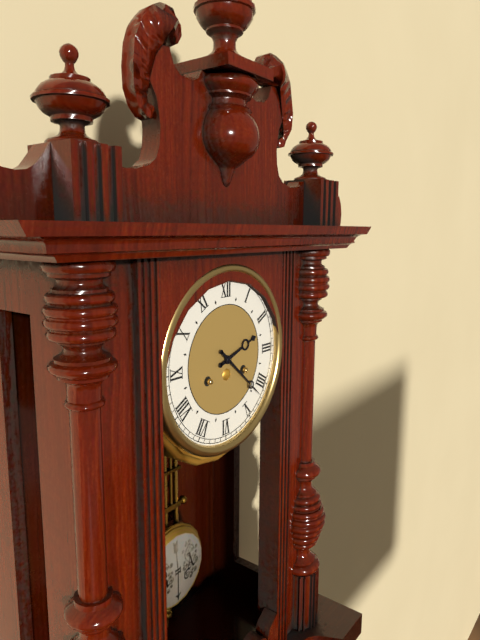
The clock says {"hour": 2, "minute": 22}
